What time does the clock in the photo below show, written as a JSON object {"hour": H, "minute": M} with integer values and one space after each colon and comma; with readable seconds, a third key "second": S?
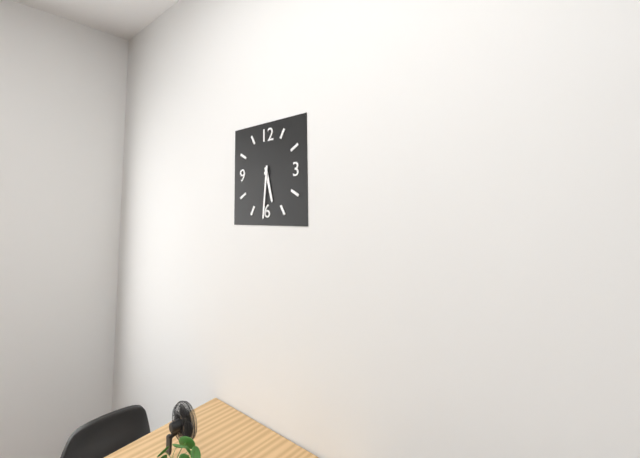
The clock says {"hour": 5, "minute": 31}
